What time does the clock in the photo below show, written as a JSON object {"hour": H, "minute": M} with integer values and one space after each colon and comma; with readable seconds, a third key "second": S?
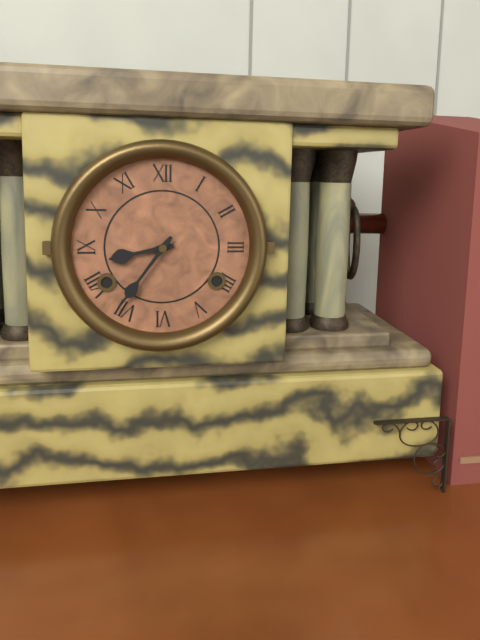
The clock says {"hour": 8, "minute": 36}
